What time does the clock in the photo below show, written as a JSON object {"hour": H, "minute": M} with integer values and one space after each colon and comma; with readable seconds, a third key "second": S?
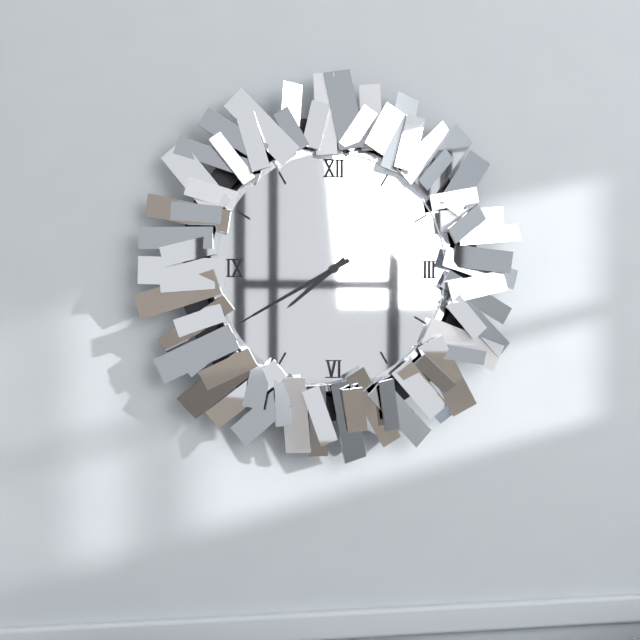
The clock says {"hour": 7, "minute": 40}
